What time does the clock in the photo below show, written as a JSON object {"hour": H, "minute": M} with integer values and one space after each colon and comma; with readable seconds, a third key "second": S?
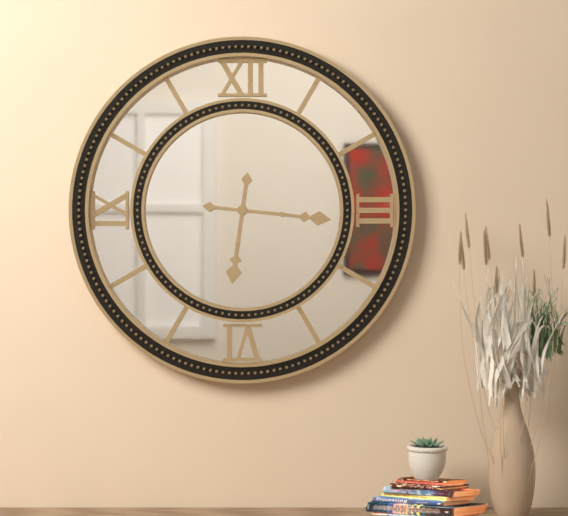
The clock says {"hour": 6, "minute": 16}
